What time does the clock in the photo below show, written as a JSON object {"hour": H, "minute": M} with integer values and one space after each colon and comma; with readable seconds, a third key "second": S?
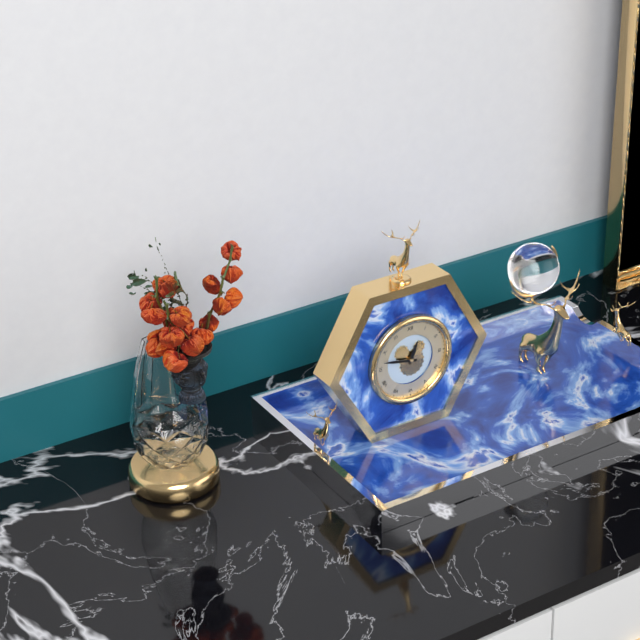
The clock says {"hour": 12, "minute": 47}
